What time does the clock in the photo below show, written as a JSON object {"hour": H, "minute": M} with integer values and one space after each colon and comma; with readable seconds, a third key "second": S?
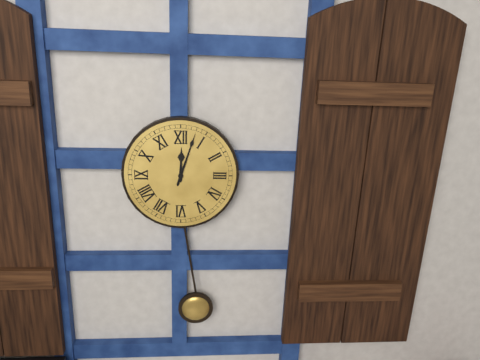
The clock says {"hour": 12, "minute": 3}
